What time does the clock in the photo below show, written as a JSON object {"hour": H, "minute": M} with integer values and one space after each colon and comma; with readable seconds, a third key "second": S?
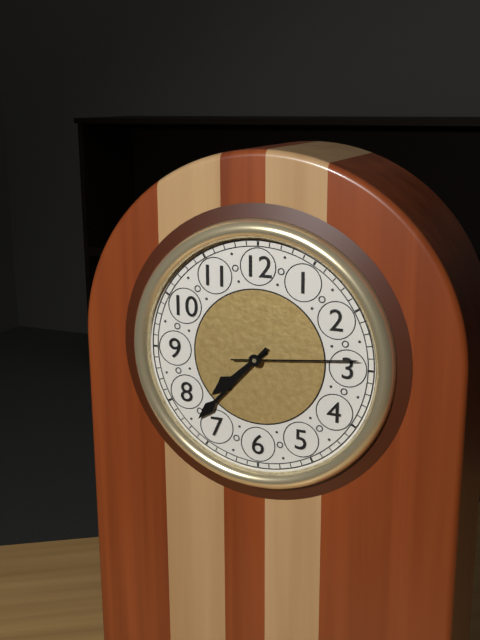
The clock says {"hour": 7, "minute": 37, "second": 14}
